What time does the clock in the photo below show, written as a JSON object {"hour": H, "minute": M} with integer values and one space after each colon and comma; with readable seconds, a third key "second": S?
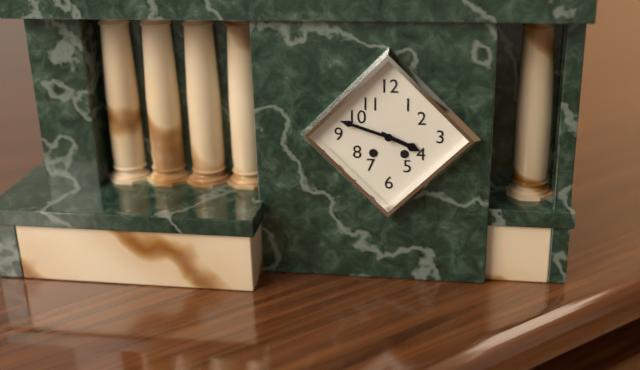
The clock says {"hour": 3, "minute": 48}
